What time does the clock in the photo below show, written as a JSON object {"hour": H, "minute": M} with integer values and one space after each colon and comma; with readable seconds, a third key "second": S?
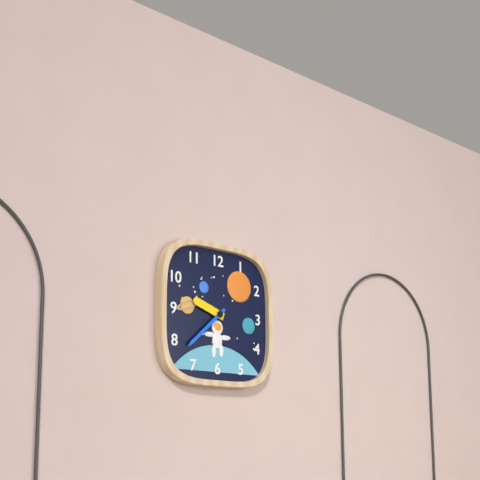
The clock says {"hour": 9, "minute": 38}
